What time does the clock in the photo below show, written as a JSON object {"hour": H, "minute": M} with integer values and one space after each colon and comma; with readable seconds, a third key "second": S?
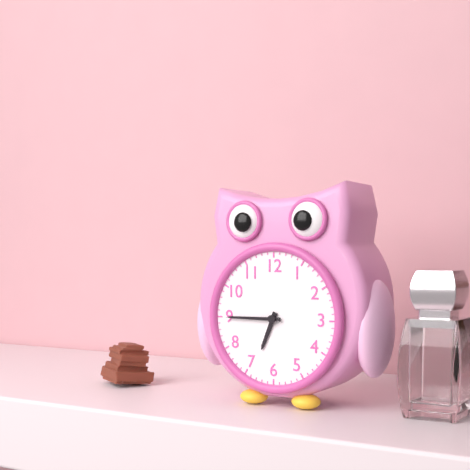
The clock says {"hour": 6, "minute": 45}
